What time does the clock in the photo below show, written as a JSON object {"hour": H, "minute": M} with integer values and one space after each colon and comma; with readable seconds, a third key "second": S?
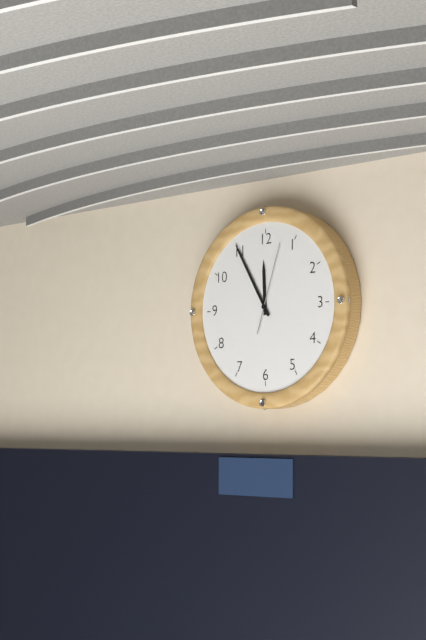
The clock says {"hour": 11, "minute": 55, "second": 3}
